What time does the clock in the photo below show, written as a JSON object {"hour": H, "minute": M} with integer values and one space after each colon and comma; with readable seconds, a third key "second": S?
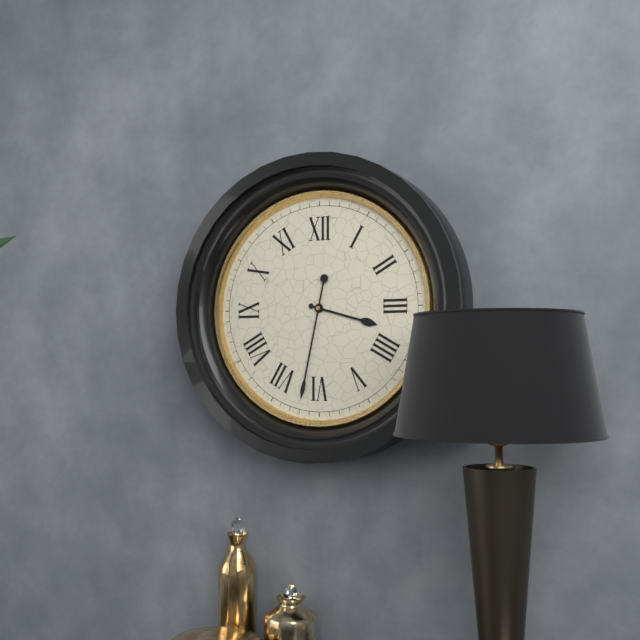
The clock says {"hour": 3, "minute": 32}
